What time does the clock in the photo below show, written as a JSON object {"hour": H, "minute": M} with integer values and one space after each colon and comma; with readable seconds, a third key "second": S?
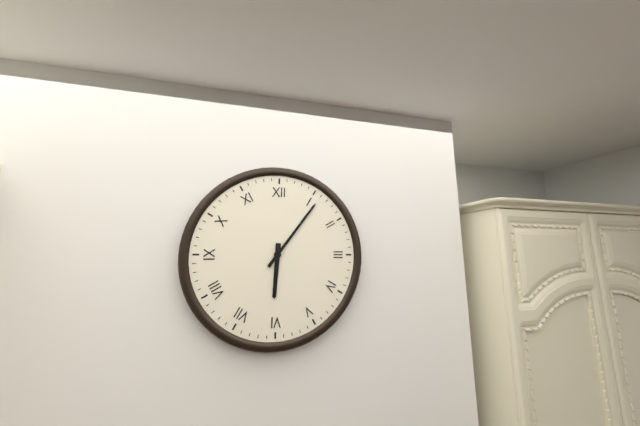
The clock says {"hour": 6, "minute": 6}
